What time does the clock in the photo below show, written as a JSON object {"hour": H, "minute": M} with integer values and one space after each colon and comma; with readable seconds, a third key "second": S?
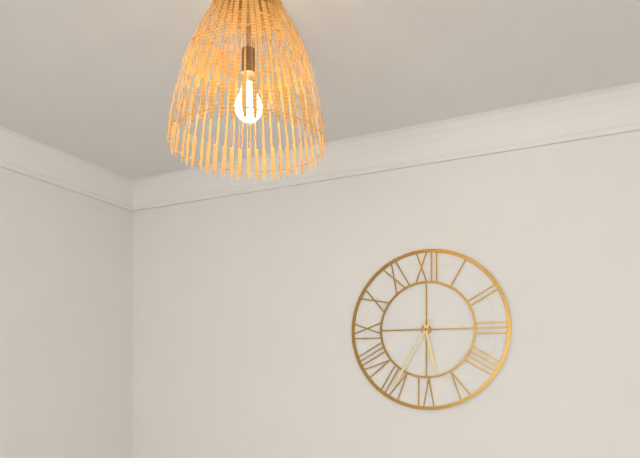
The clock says {"hour": 5, "minute": 35}
